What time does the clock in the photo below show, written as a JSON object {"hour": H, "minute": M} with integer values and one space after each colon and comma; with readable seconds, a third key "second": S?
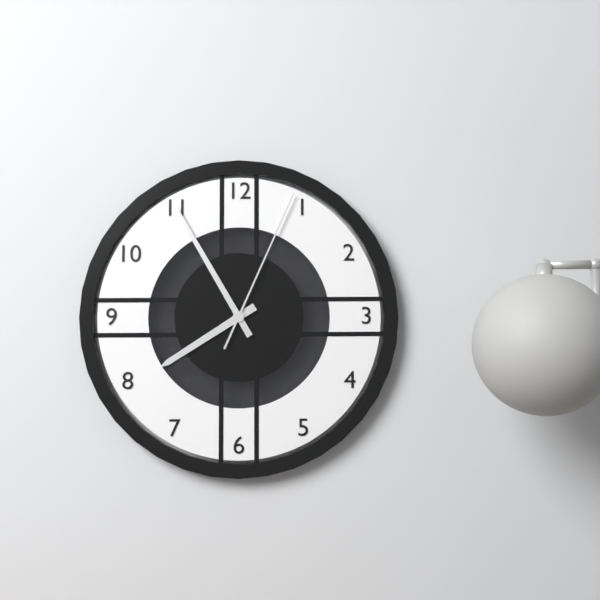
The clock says {"hour": 7, "minute": 55, "second": 4}
